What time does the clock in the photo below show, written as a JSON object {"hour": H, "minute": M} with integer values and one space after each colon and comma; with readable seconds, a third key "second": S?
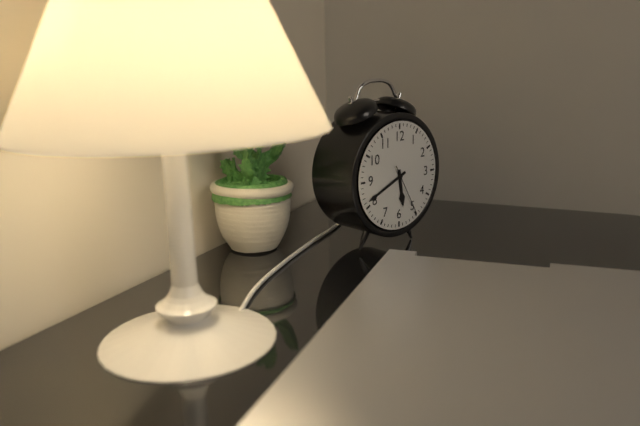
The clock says {"hour": 5, "minute": 41, "second": 25}
